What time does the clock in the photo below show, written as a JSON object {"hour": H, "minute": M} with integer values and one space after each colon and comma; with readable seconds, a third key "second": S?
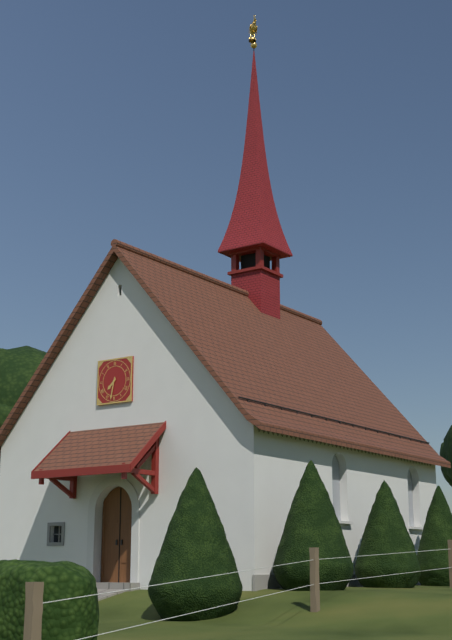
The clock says {"hour": 7, "minute": 32}
